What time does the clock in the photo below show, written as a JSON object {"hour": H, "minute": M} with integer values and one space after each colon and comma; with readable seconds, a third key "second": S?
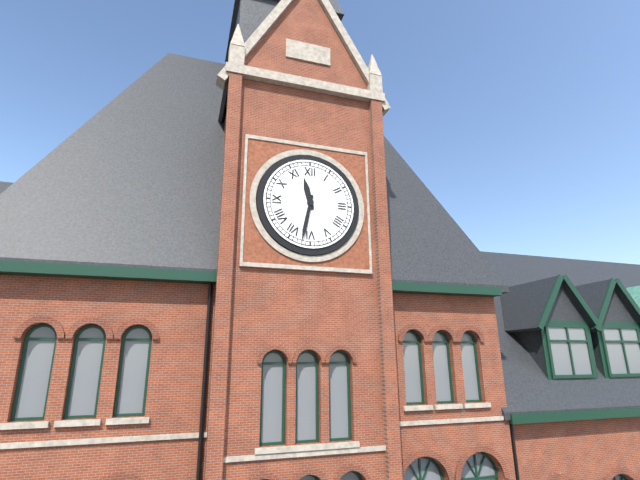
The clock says {"hour": 11, "minute": 32}
